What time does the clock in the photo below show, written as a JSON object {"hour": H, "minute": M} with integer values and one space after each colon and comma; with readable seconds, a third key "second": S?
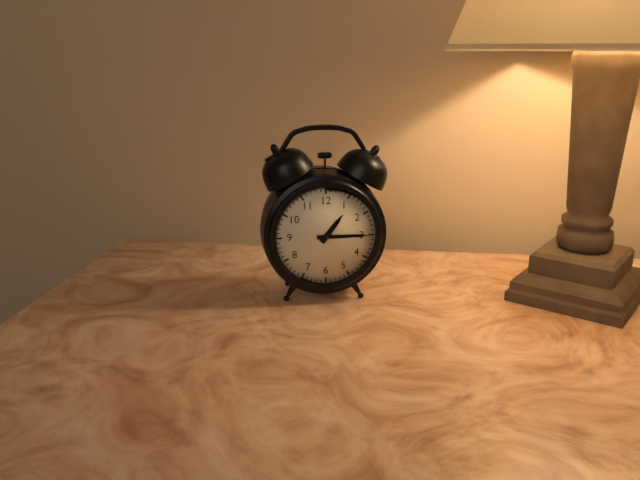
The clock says {"hour": 1, "minute": 15}
